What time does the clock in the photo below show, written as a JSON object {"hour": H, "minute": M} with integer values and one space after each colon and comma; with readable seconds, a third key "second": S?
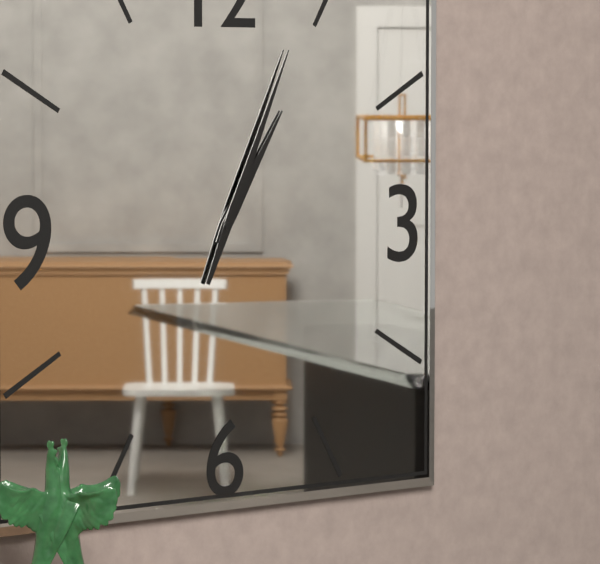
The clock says {"hour": 1, "minute": 4}
